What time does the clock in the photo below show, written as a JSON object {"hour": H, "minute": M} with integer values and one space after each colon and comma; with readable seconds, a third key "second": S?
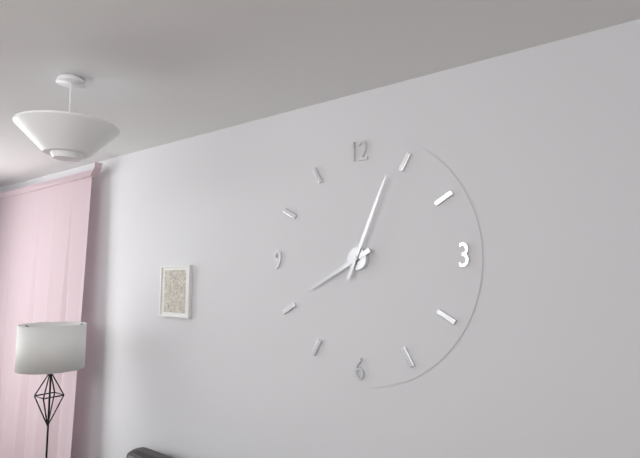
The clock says {"hour": 8, "minute": 4}
